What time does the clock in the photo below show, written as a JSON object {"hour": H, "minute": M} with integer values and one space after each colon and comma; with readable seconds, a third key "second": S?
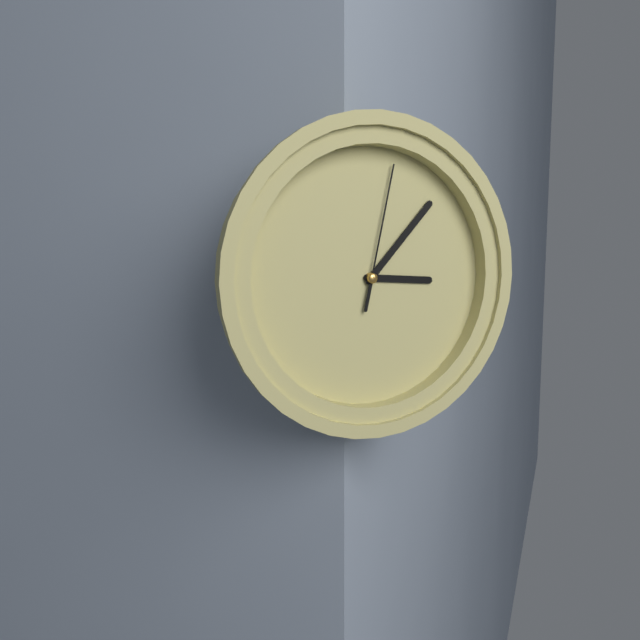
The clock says {"hour": 3, "minute": 7, "second": 2}
